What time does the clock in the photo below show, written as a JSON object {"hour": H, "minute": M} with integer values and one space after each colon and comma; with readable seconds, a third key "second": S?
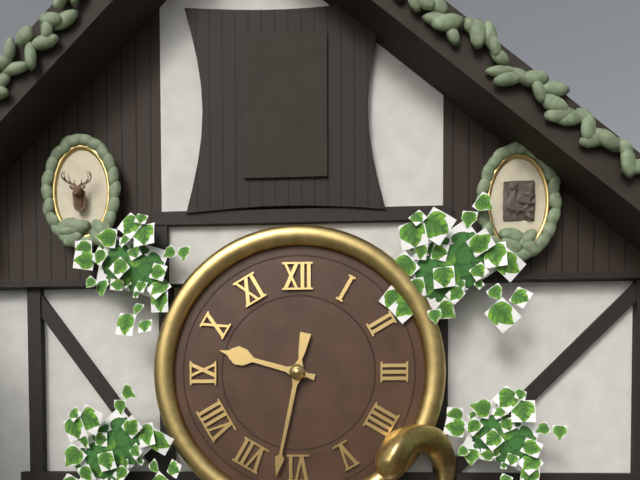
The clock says {"hour": 9, "minute": 32}
